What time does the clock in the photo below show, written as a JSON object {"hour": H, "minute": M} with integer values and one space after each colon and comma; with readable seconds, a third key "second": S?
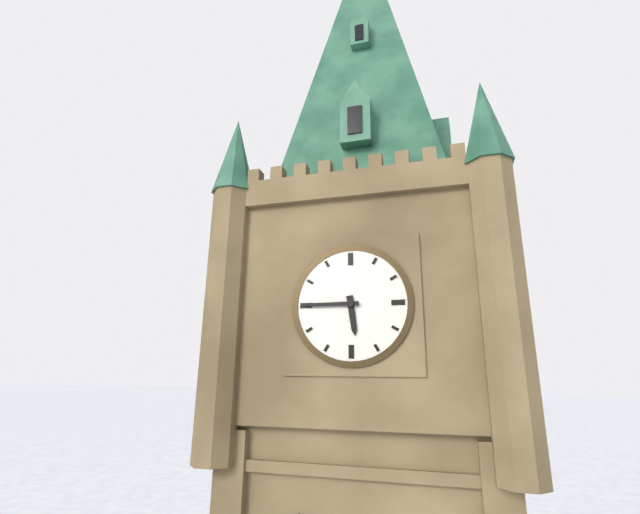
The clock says {"hour": 5, "minute": 45}
